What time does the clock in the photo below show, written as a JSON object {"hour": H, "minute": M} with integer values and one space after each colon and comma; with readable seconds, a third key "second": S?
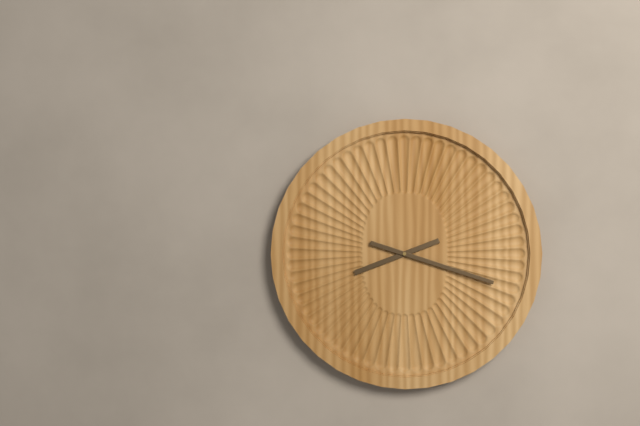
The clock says {"hour": 8, "minute": 18}
